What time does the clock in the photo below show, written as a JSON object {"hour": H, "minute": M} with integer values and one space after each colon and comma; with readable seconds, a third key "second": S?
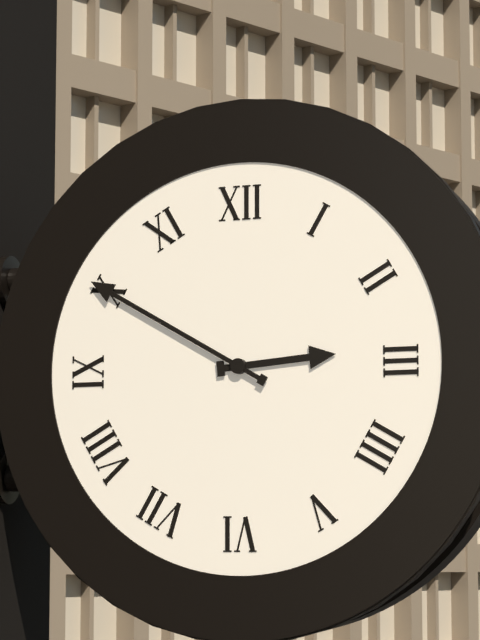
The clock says {"hour": 2, "minute": 50}
